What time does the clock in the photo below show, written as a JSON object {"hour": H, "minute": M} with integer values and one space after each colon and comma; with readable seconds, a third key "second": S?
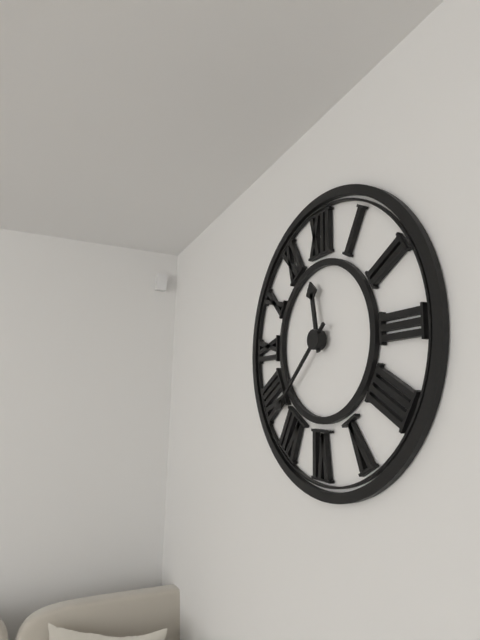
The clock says {"hour": 11, "minute": 38}
